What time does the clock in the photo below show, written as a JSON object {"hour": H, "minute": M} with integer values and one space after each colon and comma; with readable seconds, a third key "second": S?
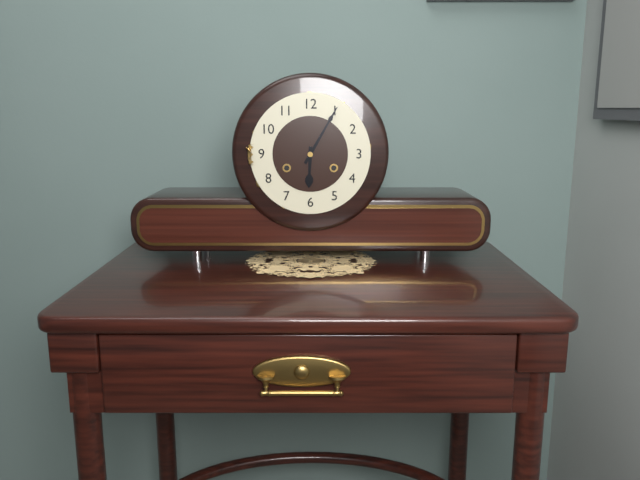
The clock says {"hour": 6, "minute": 5}
